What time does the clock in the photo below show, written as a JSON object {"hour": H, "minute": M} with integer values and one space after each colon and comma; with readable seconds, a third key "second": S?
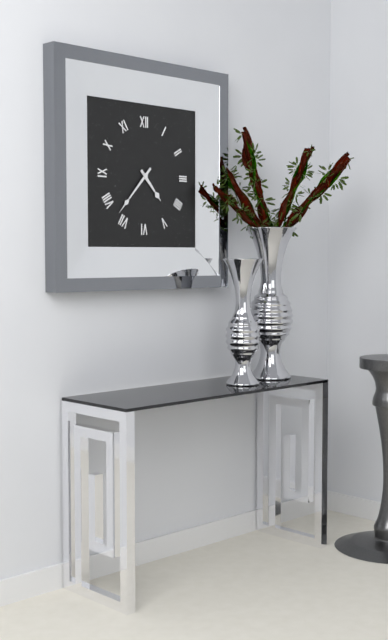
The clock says {"hour": 4, "minute": 37}
